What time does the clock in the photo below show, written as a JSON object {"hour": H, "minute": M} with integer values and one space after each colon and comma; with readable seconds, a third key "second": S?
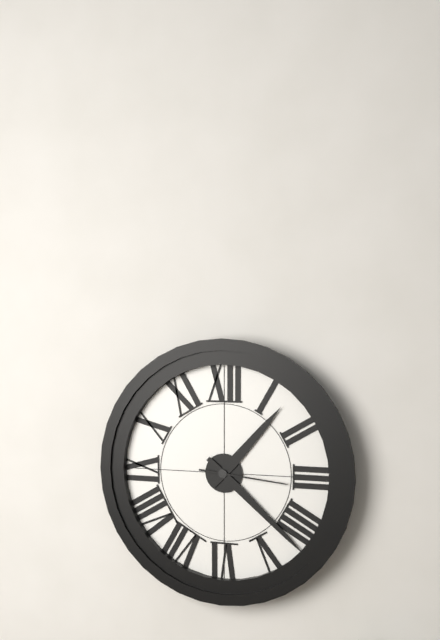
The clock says {"hour": 1, "minute": 22, "second": 16}
